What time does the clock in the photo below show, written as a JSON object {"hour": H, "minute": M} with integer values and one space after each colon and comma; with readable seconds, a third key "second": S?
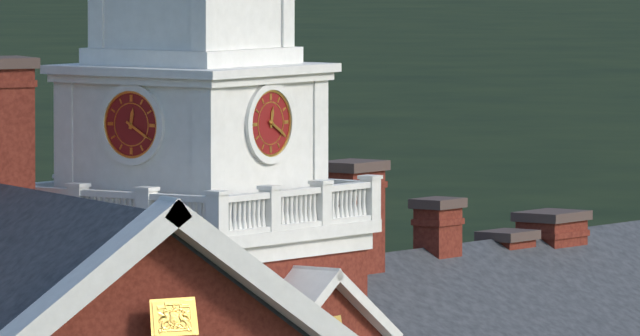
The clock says {"hour": 12, "minute": 20}
